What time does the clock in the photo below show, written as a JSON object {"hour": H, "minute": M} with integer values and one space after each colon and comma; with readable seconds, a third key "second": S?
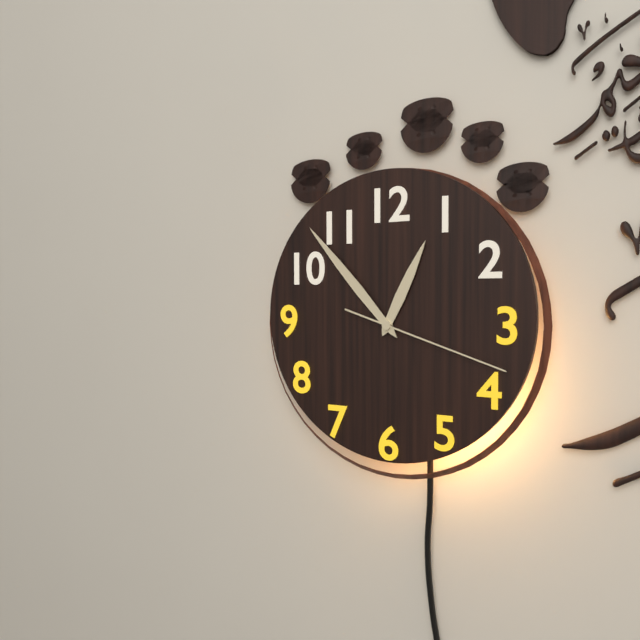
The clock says {"hour": 12, "minute": 53, "second": 18}
